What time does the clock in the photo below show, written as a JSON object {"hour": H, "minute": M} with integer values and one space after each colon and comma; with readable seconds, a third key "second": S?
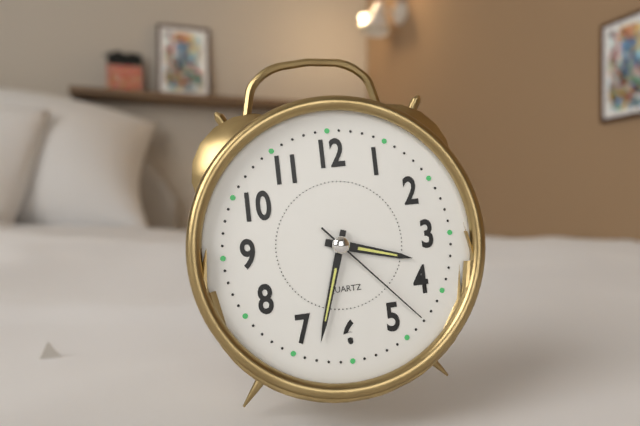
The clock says {"hour": 3, "minute": 33, "second": 23}
